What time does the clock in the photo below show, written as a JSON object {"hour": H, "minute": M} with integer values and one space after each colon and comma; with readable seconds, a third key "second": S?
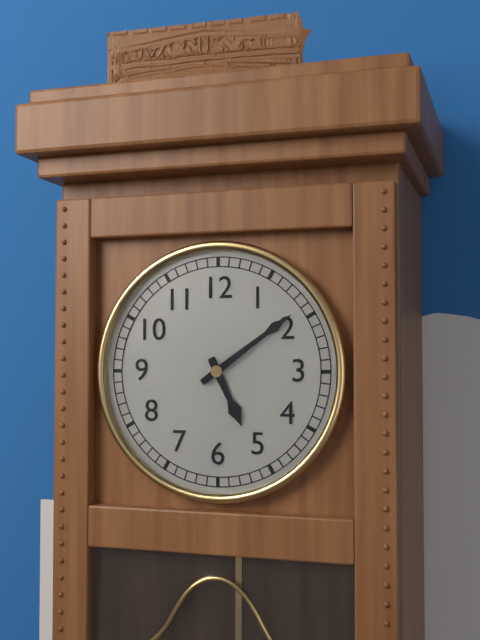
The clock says {"hour": 5, "minute": 9}
